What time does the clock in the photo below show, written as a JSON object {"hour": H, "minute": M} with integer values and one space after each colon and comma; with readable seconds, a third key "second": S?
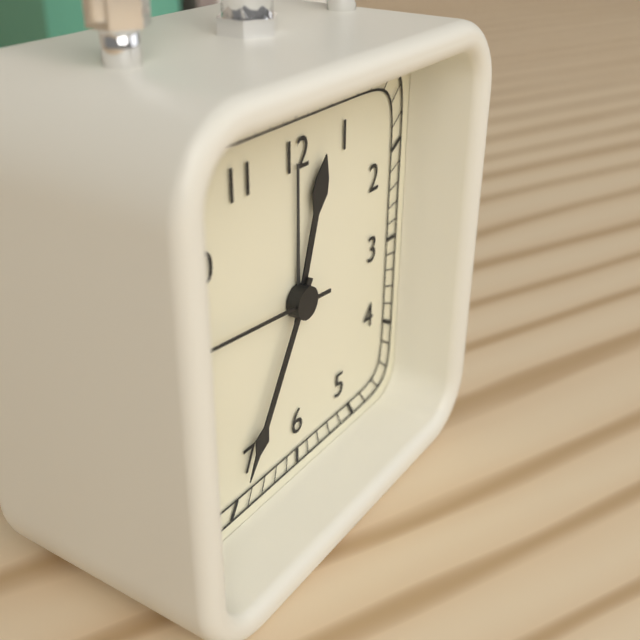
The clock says {"hour": 12, "minute": 35, "second": 46}
